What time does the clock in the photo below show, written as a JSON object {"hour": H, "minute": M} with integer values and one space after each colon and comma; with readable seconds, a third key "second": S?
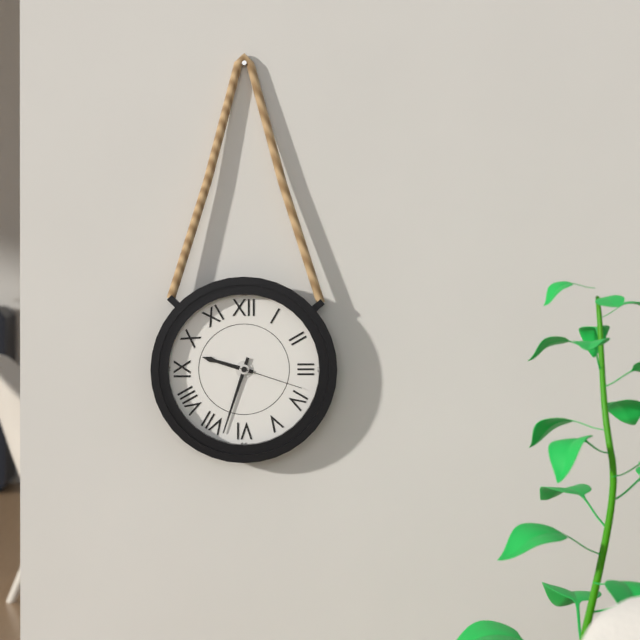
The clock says {"hour": 9, "minute": 33, "second": 18}
